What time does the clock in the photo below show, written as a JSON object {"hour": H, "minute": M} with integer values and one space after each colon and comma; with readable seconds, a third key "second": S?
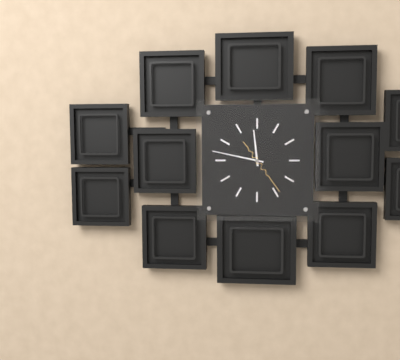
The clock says {"hour": 11, "minute": 47}
